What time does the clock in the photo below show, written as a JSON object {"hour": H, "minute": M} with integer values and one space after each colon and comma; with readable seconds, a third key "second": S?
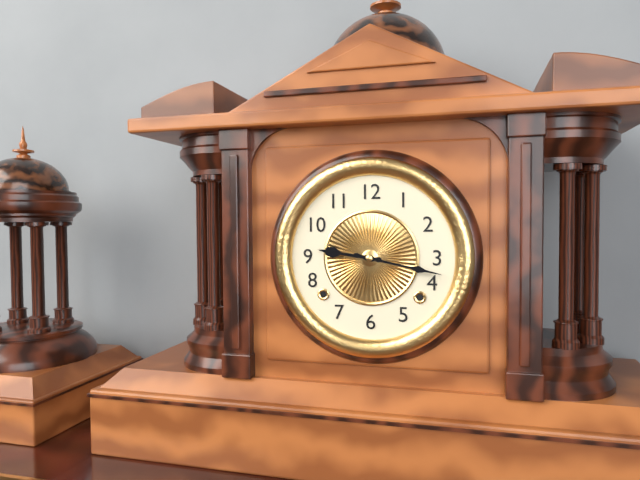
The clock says {"hour": 9, "minute": 17}
